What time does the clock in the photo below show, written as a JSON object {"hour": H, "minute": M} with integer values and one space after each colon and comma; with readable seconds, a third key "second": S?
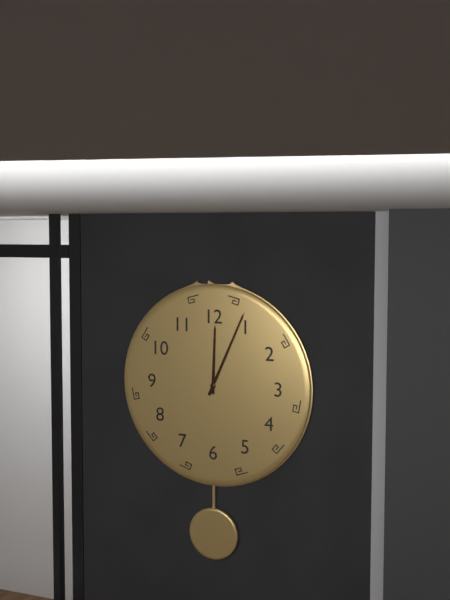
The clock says {"hour": 12, "minute": 4}
